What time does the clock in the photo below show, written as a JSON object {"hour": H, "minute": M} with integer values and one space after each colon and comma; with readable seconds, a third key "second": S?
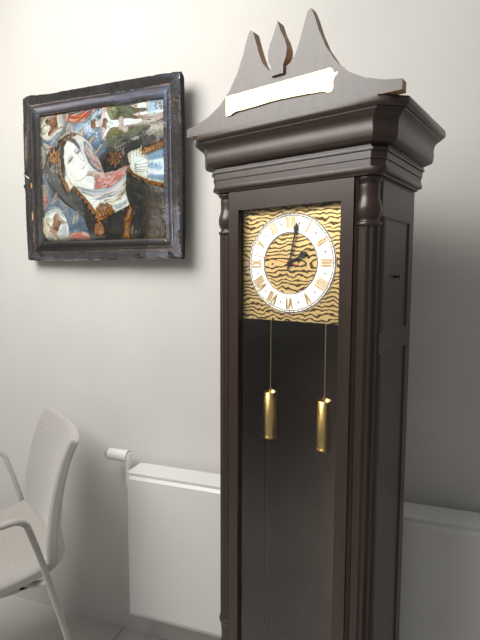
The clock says {"hour": 2, "minute": 2}
